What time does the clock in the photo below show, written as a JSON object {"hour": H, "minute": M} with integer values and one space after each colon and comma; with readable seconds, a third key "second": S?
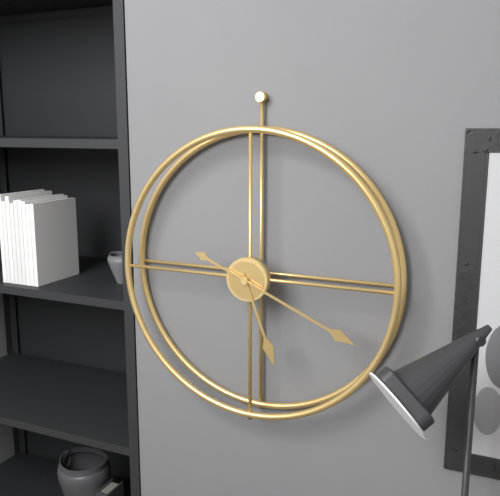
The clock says {"hour": 5, "minute": 19}
